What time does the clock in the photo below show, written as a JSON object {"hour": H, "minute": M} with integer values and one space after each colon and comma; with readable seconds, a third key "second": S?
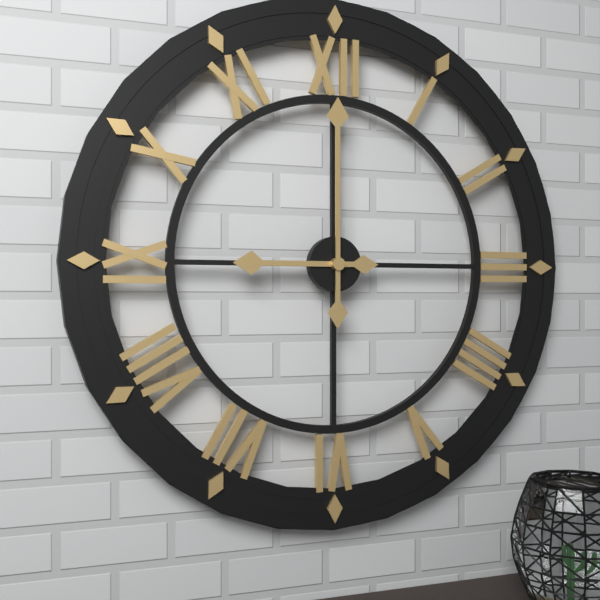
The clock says {"hour": 9, "minute": 0}
